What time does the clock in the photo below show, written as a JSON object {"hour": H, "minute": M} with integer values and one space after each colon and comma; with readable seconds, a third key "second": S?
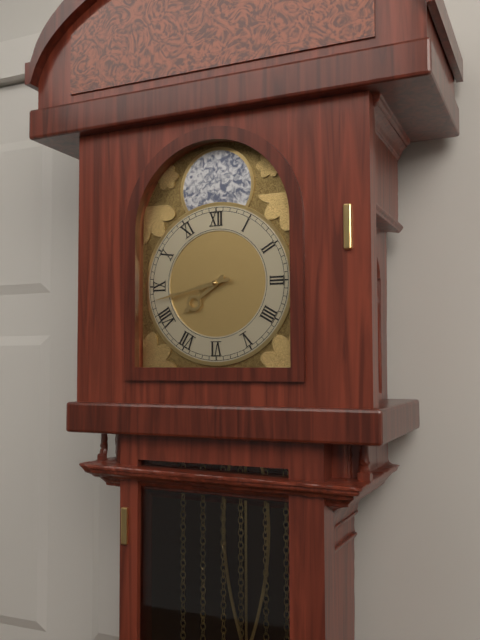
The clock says {"hour": 7, "minute": 43}
